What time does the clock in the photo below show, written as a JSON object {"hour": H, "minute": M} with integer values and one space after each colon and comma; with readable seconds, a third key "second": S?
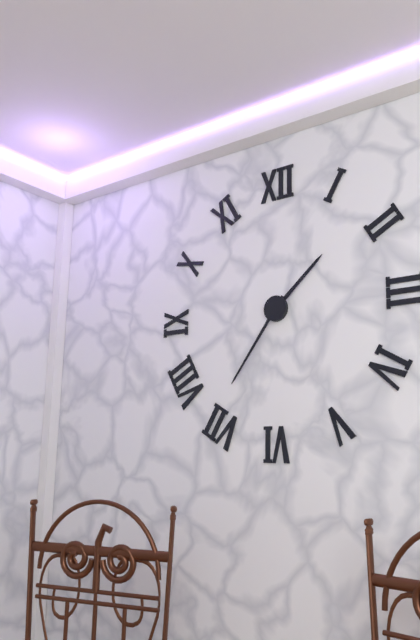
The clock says {"hour": 1, "minute": 36}
